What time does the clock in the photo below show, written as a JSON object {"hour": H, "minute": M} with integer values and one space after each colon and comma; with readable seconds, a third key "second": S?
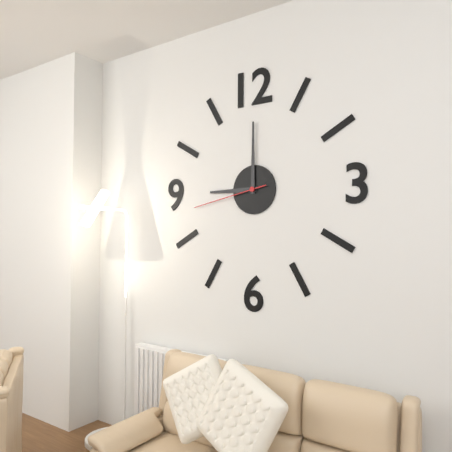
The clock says {"hour": 9, "minute": 0, "second": 43}
